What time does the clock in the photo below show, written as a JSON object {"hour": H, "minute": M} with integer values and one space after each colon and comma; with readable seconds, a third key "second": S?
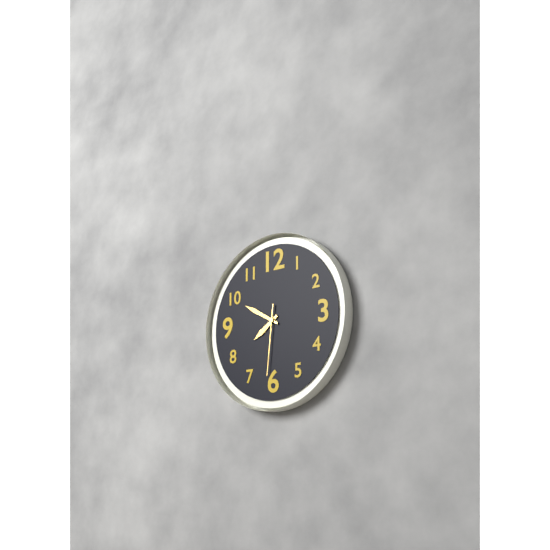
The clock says {"hour": 7, "minute": 50, "second": 31}
